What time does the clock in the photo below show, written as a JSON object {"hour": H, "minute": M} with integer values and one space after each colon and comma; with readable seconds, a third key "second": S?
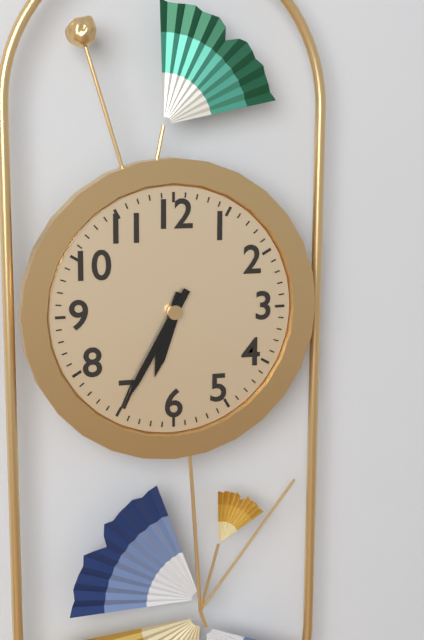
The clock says {"hour": 6, "minute": 35}
